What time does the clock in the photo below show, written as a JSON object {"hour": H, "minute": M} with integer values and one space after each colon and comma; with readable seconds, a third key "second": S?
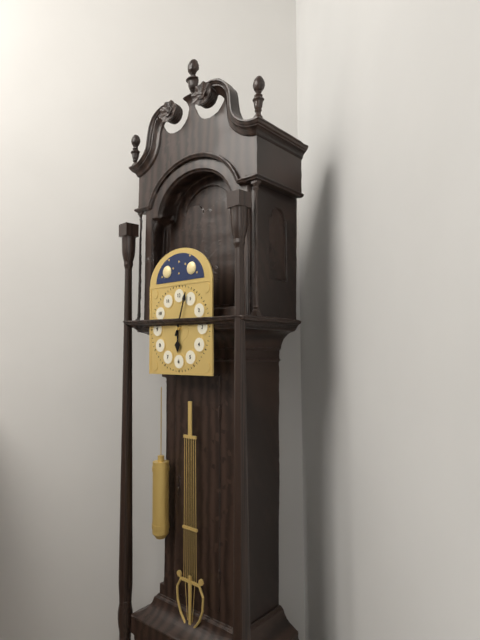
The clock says {"hour": 6, "minute": 3}
